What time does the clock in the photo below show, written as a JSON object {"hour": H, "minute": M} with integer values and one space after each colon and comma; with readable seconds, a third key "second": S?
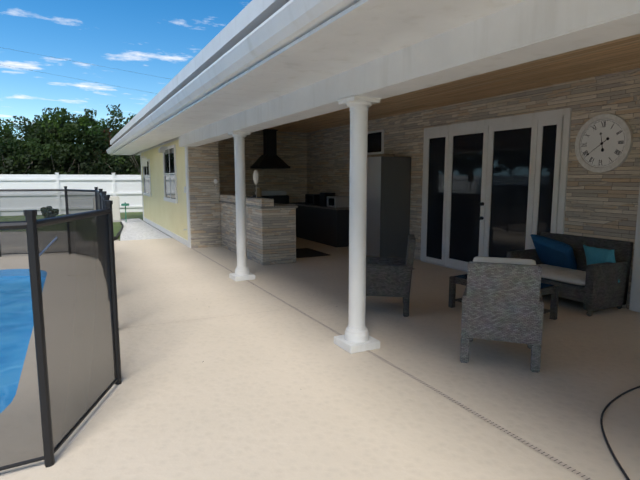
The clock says {"hour": 11, "minute": 39}
